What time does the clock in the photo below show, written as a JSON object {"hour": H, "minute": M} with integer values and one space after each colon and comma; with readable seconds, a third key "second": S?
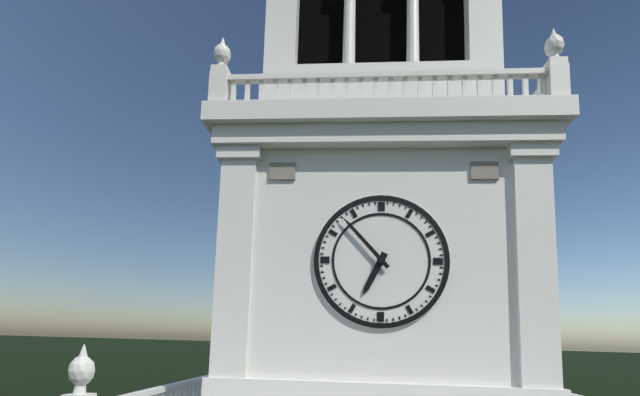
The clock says {"hour": 6, "minute": 53}
